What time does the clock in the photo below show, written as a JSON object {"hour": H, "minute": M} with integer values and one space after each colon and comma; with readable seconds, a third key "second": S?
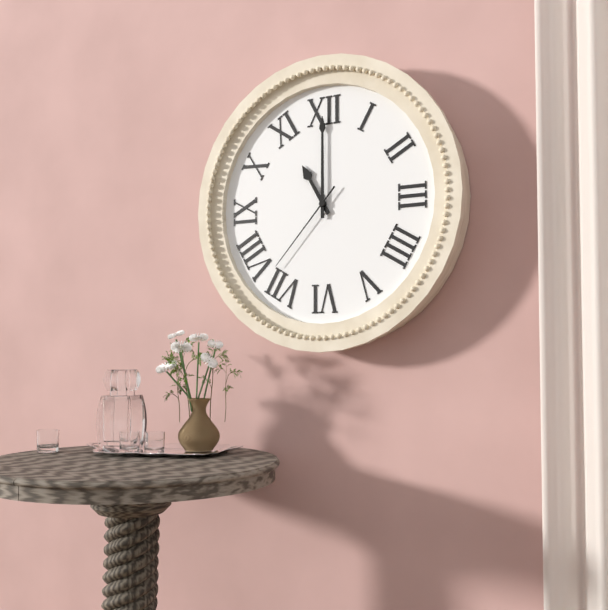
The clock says {"hour": 11, "minute": 0, "second": 37}
